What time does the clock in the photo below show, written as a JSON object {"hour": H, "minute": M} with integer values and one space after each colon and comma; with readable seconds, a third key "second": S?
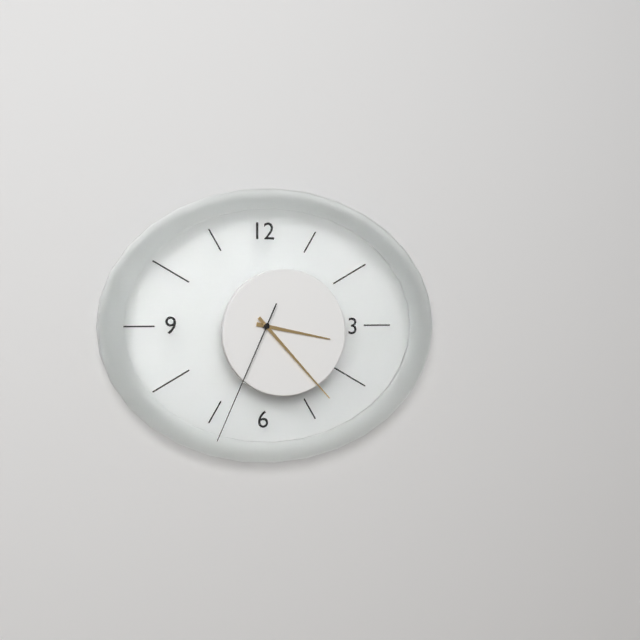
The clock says {"hour": 3, "minute": 23, "second": 34}
